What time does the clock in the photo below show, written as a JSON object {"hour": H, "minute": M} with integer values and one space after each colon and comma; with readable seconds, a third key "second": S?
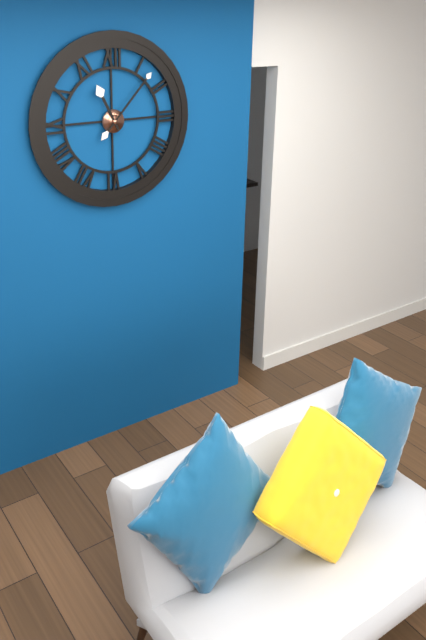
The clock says {"hour": 11, "minute": 7}
